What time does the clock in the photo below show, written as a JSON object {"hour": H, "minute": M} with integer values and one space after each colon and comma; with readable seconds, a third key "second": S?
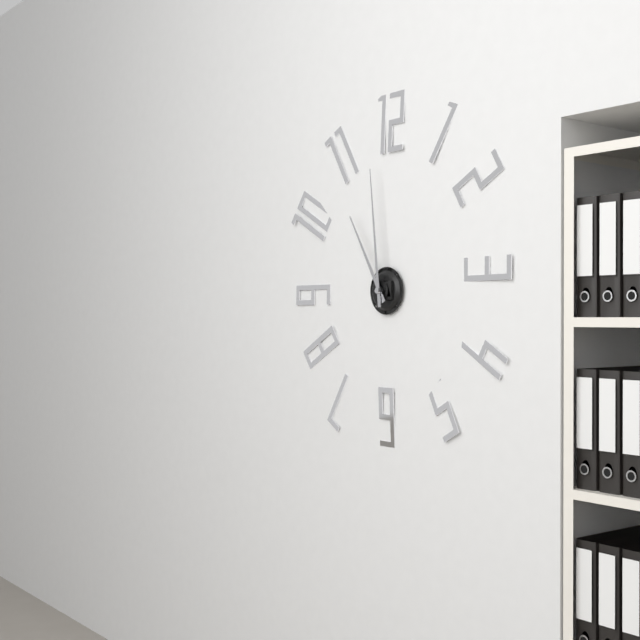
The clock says {"hour": 10, "minute": 59}
